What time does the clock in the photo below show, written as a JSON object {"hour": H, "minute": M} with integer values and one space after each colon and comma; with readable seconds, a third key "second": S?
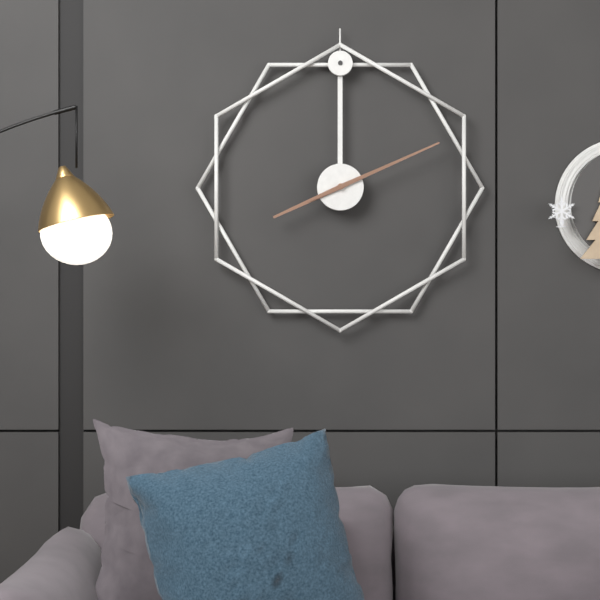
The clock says {"hour": 8, "minute": 11}
